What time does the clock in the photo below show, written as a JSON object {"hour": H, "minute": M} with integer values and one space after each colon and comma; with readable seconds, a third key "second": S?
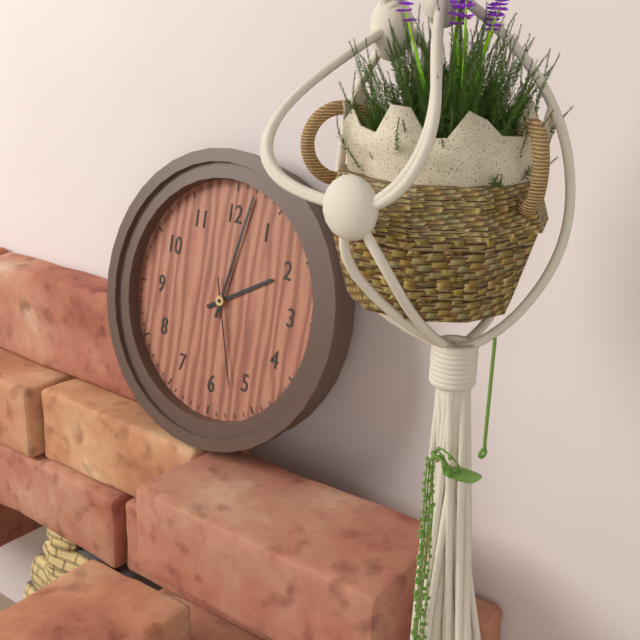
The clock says {"hour": 2, "minute": 2, "second": 27}
